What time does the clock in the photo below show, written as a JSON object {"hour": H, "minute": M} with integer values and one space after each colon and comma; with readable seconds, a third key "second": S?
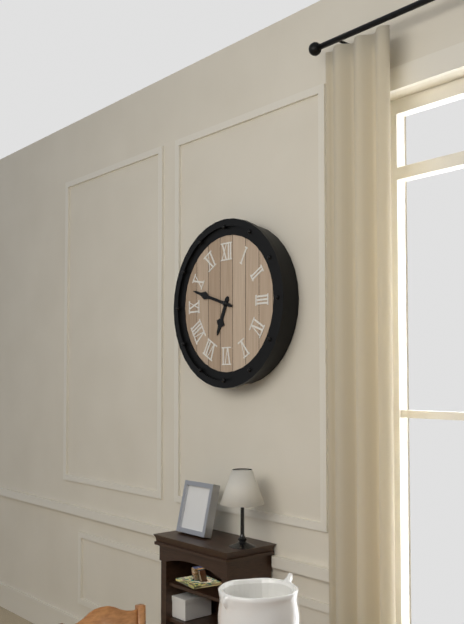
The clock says {"hour": 6, "minute": 48}
